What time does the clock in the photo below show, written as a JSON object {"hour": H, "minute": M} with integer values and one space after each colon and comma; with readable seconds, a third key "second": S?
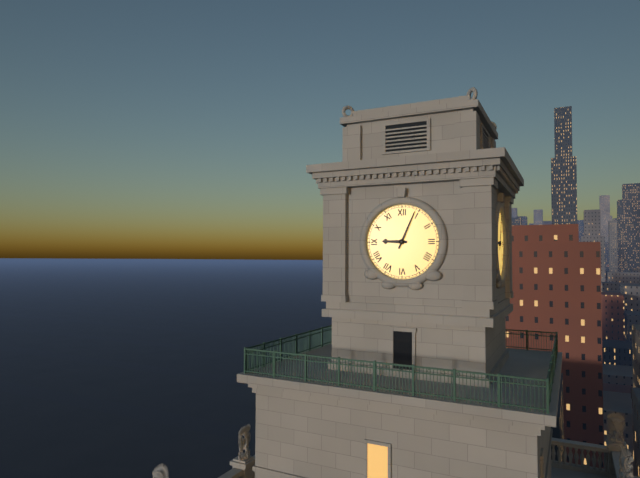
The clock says {"hour": 9, "minute": 4}
